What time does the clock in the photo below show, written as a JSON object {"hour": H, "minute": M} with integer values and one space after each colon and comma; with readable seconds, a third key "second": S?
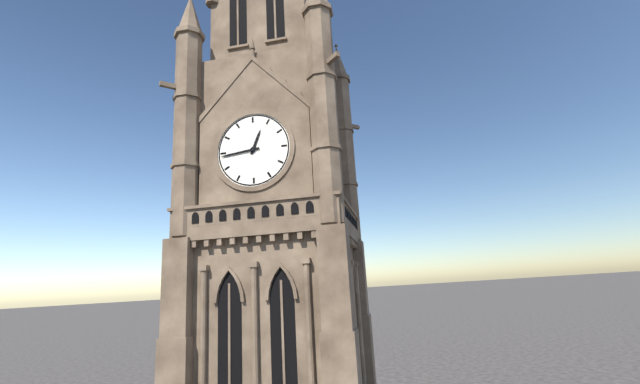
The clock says {"hour": 12, "minute": 44}
